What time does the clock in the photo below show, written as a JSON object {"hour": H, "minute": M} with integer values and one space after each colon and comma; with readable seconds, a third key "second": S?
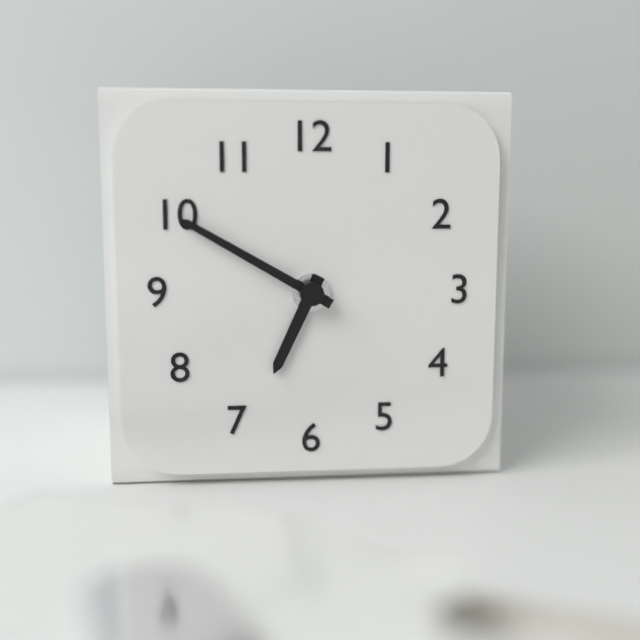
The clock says {"hour": 6, "minute": 50}
